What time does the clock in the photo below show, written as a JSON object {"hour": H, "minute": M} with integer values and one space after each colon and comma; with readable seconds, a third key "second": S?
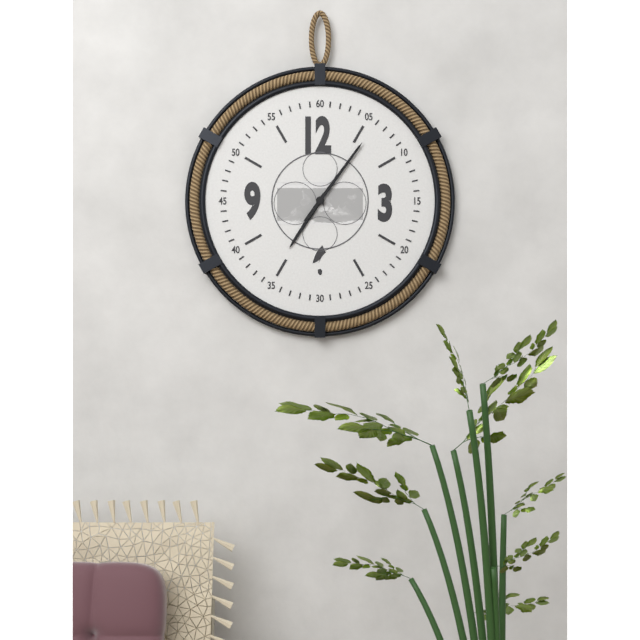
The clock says {"hour": 7, "minute": 6}
